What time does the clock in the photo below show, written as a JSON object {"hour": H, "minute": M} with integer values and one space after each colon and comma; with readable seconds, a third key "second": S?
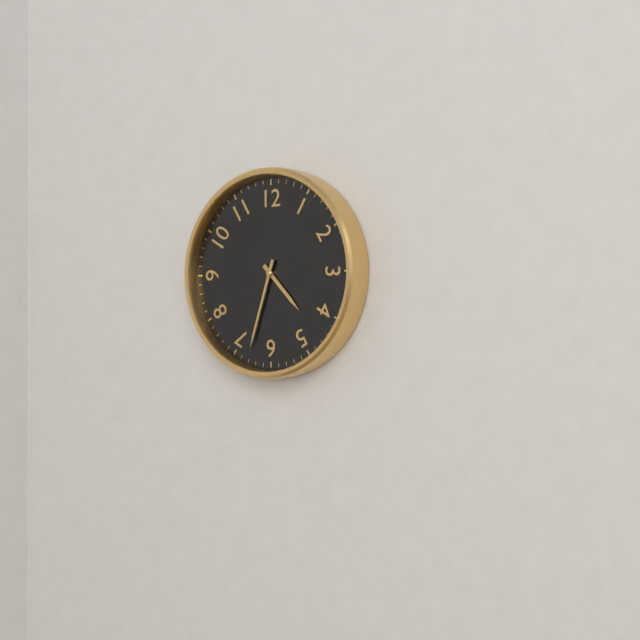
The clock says {"hour": 4, "minute": 33}
